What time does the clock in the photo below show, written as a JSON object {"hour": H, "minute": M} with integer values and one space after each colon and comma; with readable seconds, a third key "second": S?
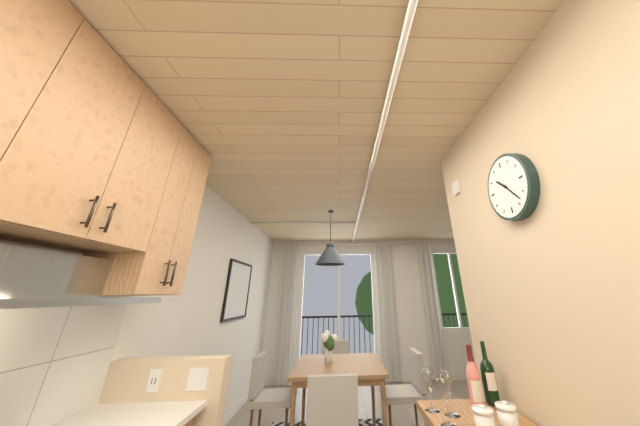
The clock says {"hour": 10, "minute": 23}
